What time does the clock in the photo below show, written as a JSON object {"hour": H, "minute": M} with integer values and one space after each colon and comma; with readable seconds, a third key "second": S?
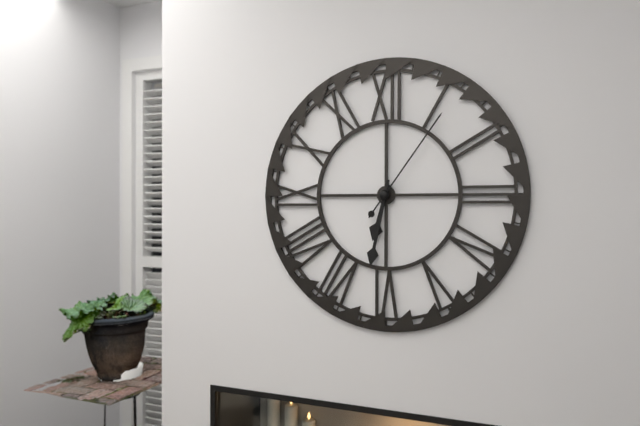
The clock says {"hour": 6, "minute": 32, "second": 6}
